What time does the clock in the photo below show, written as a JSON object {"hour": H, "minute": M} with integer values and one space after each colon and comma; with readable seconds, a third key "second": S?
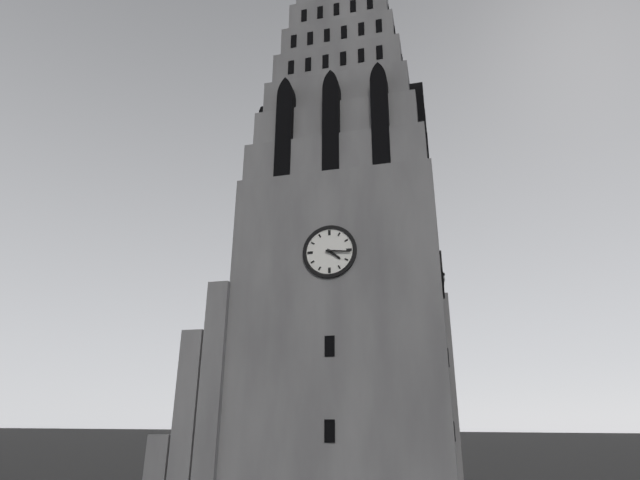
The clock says {"hour": 4, "minute": 16}
